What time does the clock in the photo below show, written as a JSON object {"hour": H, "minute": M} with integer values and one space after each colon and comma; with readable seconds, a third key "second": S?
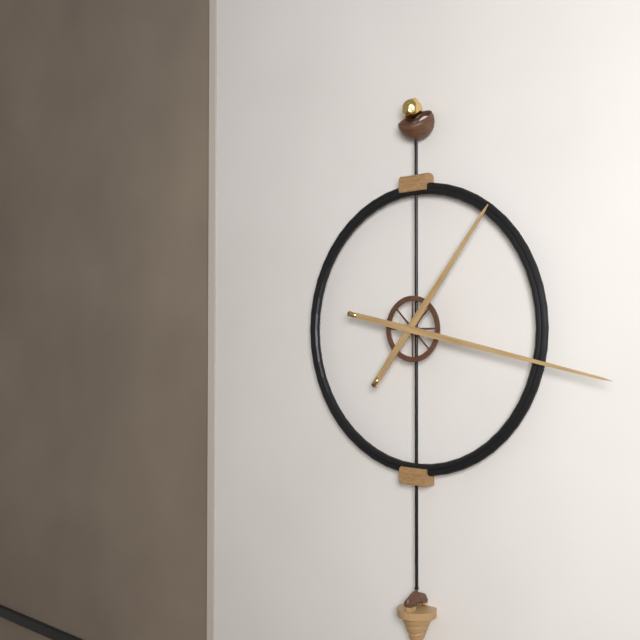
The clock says {"hour": 1, "minute": 17}
